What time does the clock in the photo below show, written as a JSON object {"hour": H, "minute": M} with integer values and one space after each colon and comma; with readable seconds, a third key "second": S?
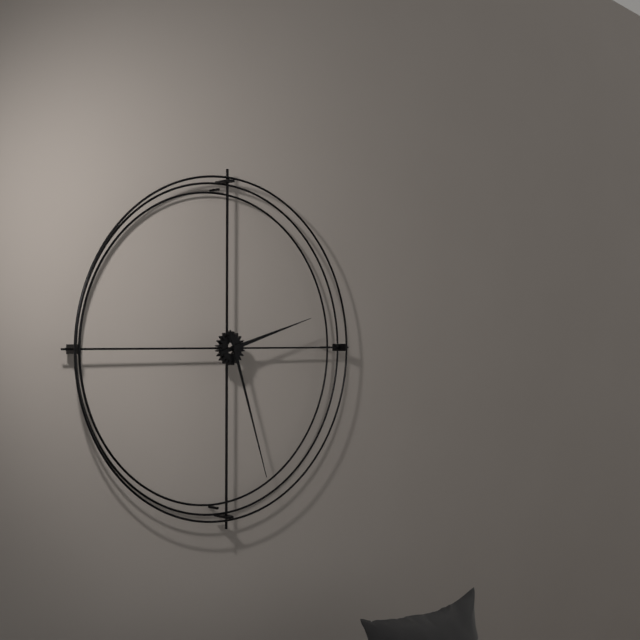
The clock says {"hour": 2, "minute": 27}
